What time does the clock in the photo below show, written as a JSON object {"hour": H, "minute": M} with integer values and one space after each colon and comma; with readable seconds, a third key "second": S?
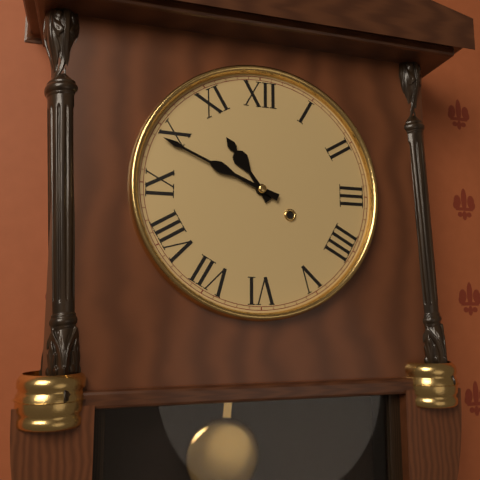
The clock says {"hour": 10, "minute": 49}
